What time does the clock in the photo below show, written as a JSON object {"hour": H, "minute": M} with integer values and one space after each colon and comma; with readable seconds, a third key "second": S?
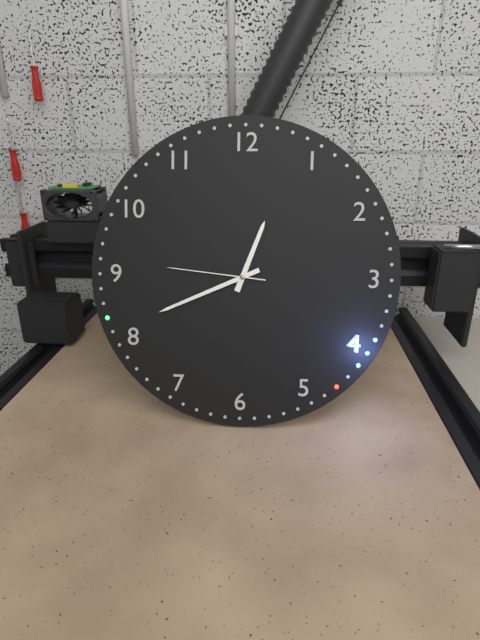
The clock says {"hour": 12, "minute": 41, "second": 46}
